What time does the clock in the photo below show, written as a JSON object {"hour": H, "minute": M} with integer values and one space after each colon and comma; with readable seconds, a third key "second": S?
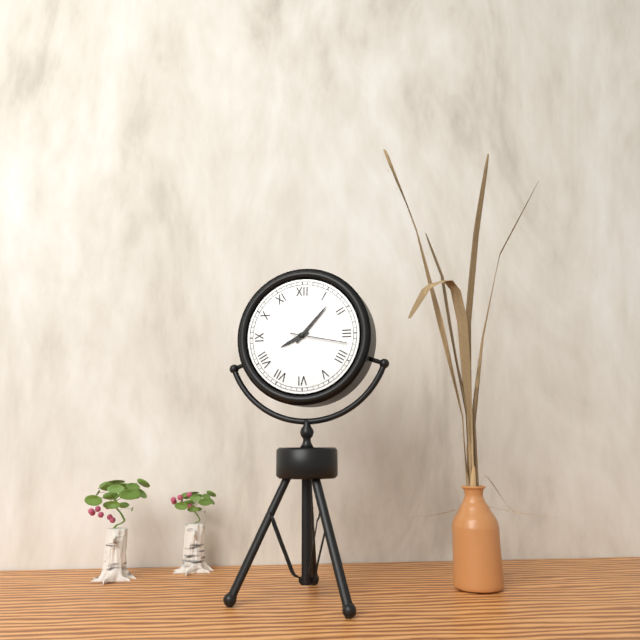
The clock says {"hour": 8, "minute": 7}
